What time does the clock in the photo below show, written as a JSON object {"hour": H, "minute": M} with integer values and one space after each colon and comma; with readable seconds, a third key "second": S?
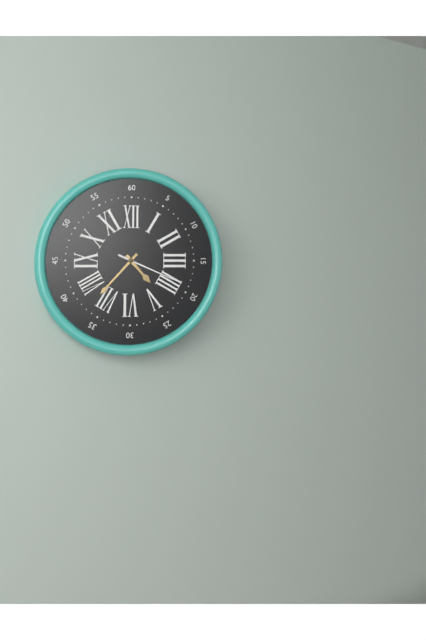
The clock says {"hour": 4, "minute": 37, "second": 19}
